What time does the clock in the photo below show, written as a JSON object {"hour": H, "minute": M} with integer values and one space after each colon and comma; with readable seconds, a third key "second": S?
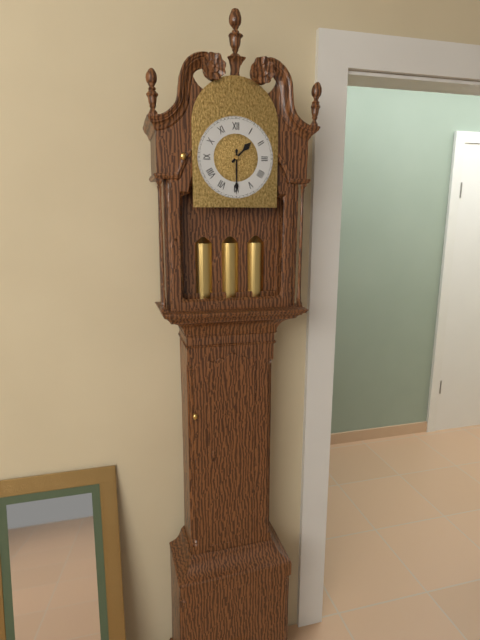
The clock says {"hour": 1, "minute": 30}
